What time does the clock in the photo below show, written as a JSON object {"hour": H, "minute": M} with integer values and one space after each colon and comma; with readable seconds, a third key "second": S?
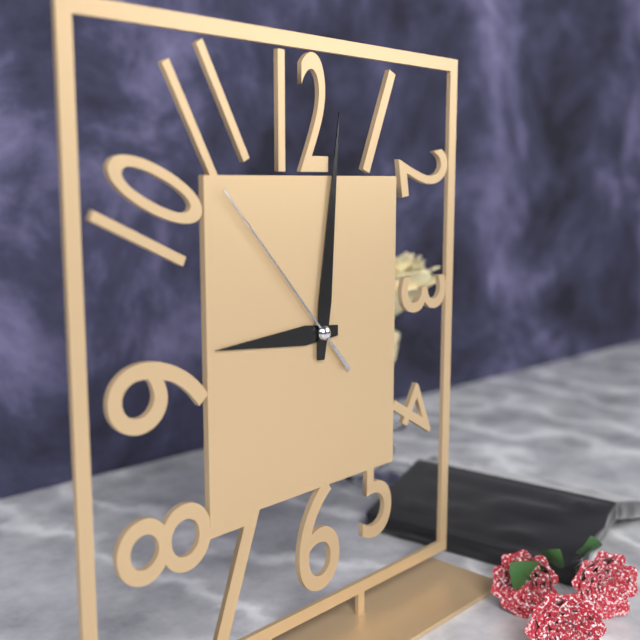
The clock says {"hour": 9, "minute": 1, "second": 53}
